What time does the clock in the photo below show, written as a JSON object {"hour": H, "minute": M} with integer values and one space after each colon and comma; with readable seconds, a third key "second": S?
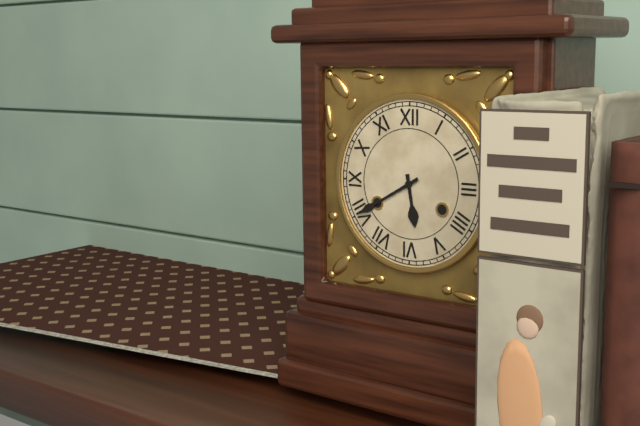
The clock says {"hour": 5, "minute": 40}
